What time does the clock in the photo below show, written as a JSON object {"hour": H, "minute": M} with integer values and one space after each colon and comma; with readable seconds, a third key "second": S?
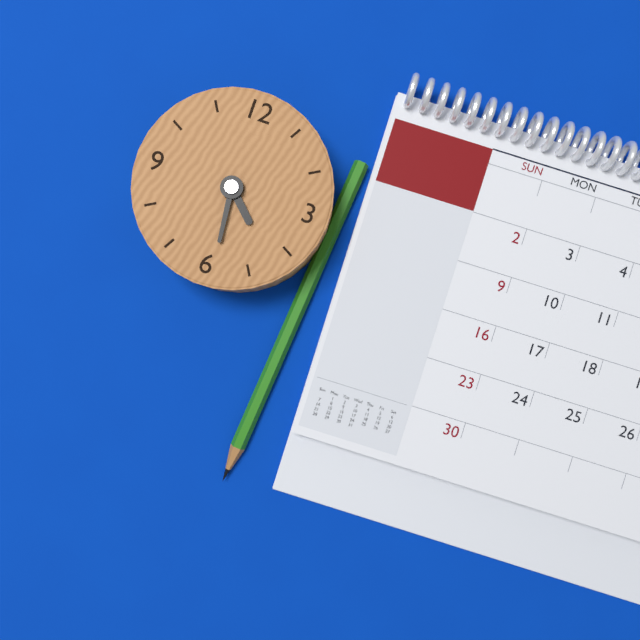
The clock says {"hour": 4, "minute": 29}
